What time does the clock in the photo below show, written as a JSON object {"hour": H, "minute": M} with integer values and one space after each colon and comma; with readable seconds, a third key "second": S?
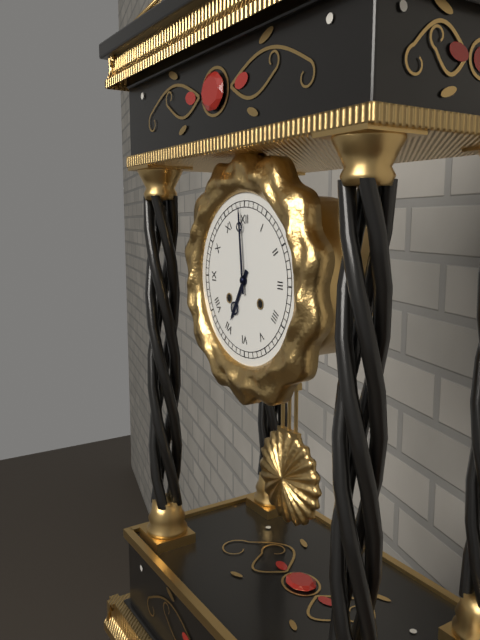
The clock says {"hour": 6, "minute": 59}
